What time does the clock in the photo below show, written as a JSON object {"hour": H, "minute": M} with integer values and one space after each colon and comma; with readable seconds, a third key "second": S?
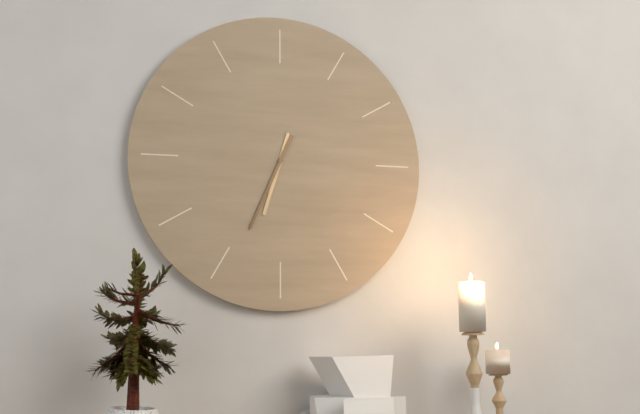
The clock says {"hour": 6, "minute": 34}
